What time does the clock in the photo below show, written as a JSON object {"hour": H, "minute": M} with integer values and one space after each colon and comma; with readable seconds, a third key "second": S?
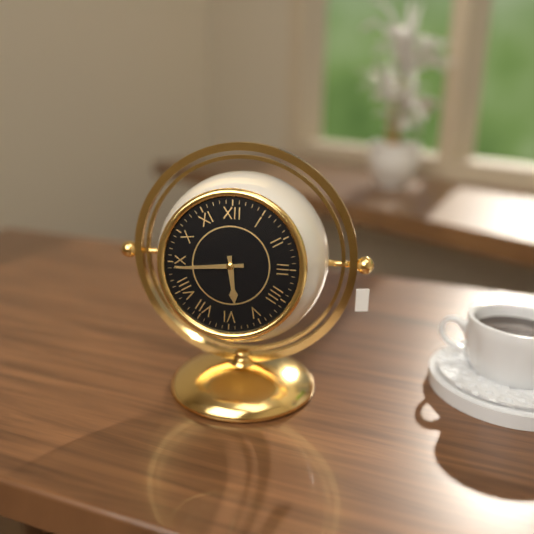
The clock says {"hour": 5, "minute": 44}
